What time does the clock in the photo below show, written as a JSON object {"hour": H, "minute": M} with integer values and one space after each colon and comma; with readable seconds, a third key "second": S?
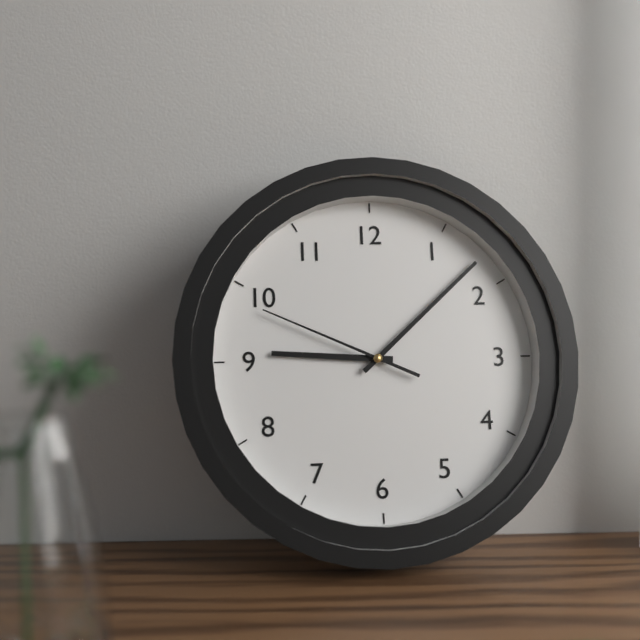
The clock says {"hour": 9, "minute": 8, "second": 49}
